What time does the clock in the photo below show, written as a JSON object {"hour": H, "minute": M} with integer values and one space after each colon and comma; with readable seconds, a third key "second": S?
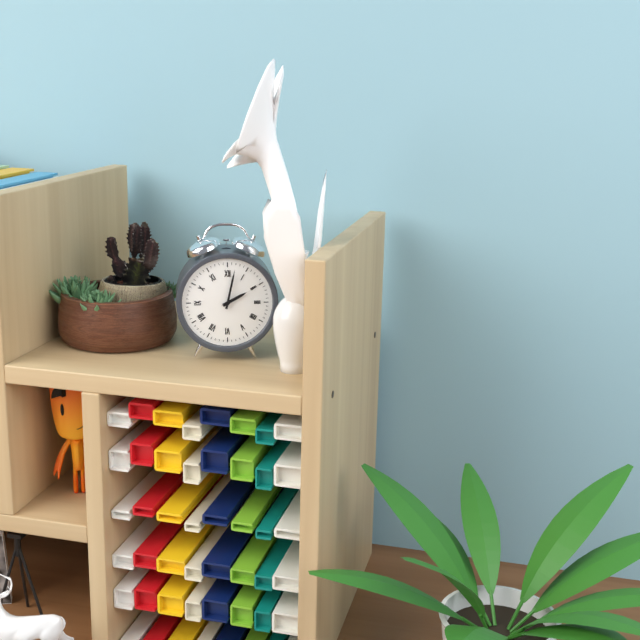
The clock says {"hour": 2, "minute": 2}
